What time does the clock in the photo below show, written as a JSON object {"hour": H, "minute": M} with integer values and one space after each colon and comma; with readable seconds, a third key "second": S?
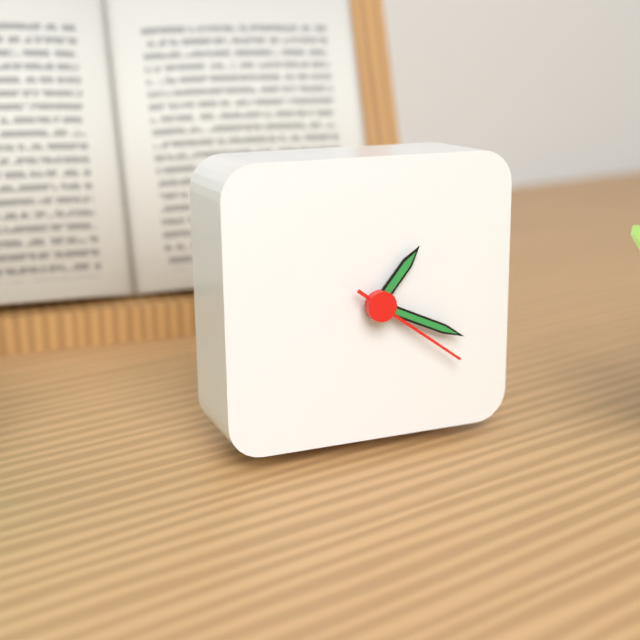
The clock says {"hour": 1, "minute": 19, "second": 21}
